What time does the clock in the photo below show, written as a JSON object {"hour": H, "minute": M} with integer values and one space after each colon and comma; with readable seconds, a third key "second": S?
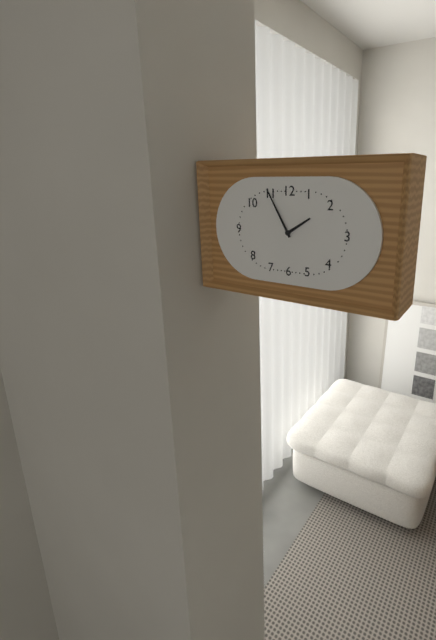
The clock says {"hour": 1, "minute": 55}
